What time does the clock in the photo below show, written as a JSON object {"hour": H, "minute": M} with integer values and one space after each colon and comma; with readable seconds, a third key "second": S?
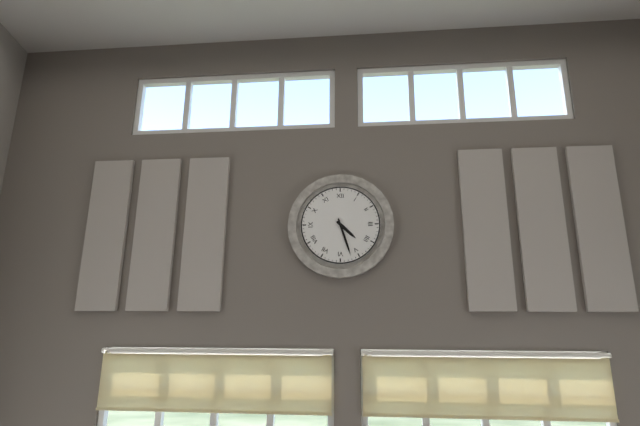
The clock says {"hour": 4, "minute": 27}
